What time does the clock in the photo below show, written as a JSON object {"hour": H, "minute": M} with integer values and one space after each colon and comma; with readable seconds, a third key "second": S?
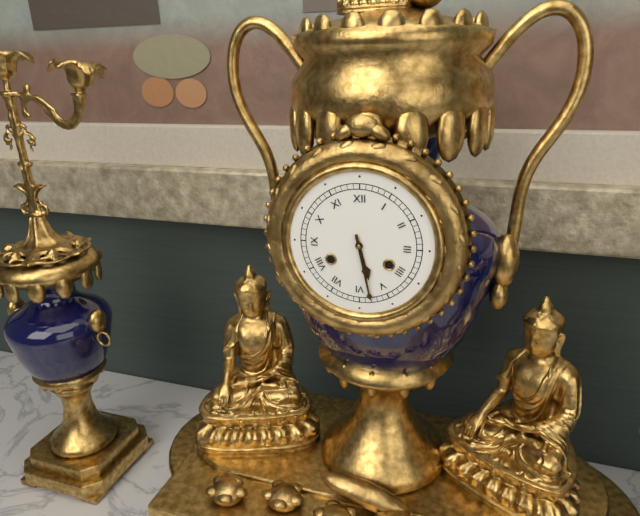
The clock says {"hour": 5, "minute": 28}
